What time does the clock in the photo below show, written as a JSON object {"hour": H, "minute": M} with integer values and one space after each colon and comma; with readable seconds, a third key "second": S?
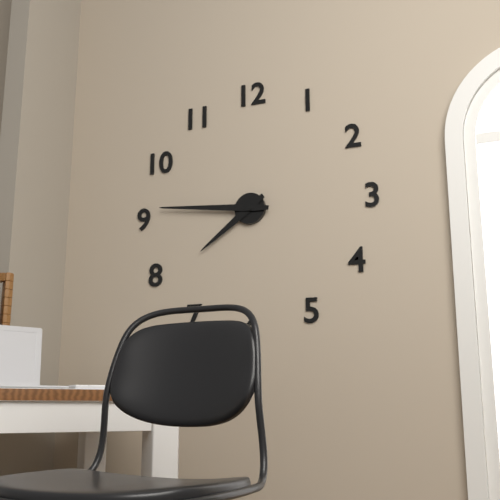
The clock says {"hour": 7, "minute": 46}
